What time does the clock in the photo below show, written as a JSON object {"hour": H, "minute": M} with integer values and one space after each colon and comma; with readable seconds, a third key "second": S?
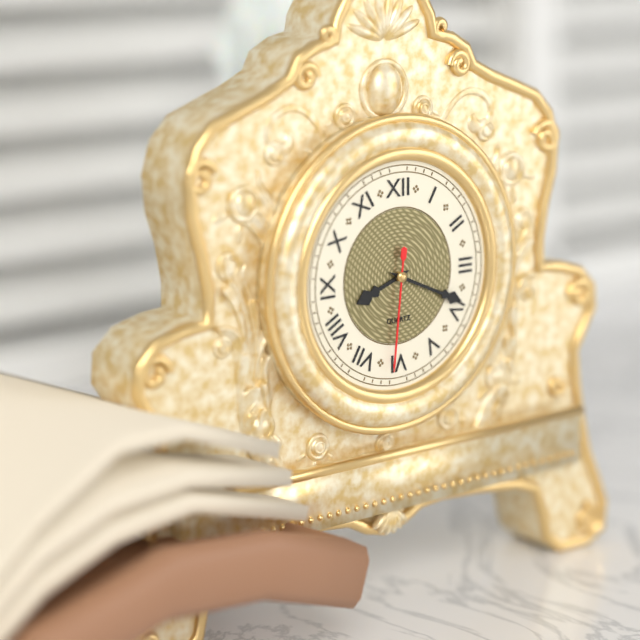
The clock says {"hour": 8, "minute": 19, "second": 31}
